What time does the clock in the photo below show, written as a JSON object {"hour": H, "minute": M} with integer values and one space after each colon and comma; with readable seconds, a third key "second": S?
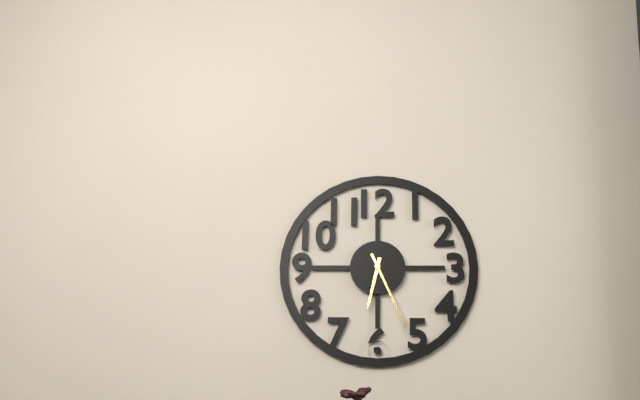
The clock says {"hour": 6, "minute": 26}
